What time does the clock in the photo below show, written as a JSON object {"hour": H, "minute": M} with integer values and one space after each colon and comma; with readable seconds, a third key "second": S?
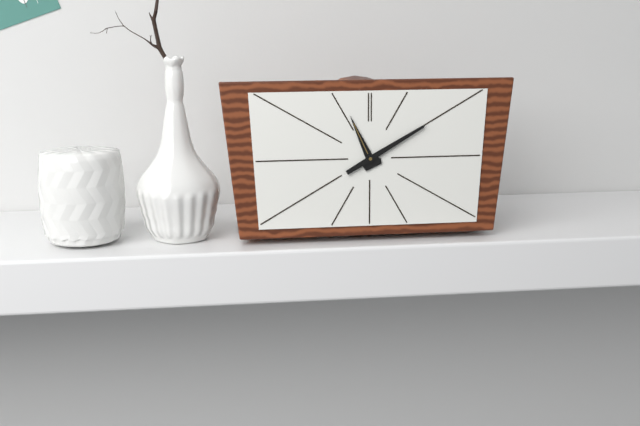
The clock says {"hour": 11, "minute": 10}
